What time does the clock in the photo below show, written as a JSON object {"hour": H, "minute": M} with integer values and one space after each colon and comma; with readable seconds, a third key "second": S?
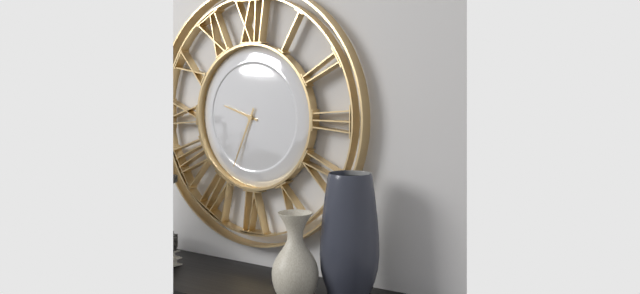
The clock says {"hour": 9, "minute": 34}
